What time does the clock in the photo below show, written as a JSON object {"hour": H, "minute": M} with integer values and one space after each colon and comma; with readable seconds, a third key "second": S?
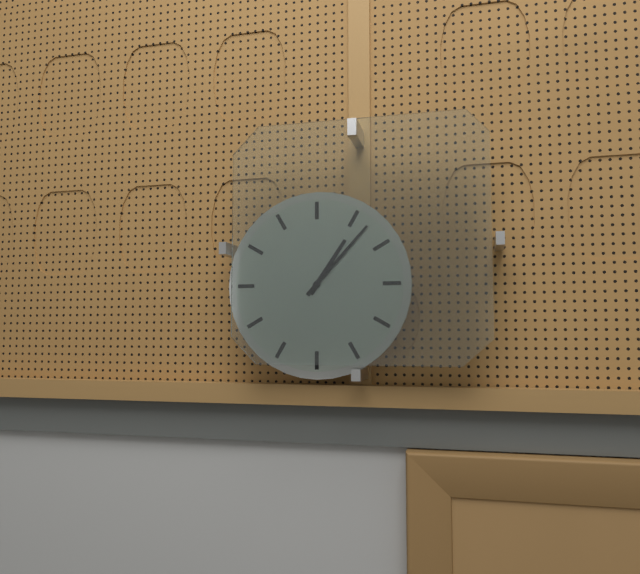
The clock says {"hour": 1, "minute": 7}
